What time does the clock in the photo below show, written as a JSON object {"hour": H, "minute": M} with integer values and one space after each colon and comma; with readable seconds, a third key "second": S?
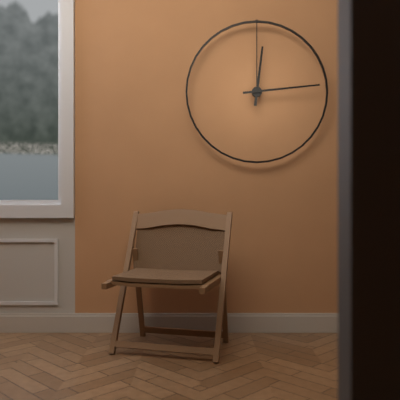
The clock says {"hour": 12, "minute": 14}
